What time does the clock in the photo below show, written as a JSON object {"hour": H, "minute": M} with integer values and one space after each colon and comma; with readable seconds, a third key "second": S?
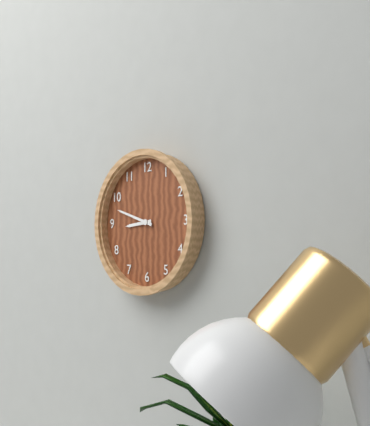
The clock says {"hour": 8, "minute": 48}
